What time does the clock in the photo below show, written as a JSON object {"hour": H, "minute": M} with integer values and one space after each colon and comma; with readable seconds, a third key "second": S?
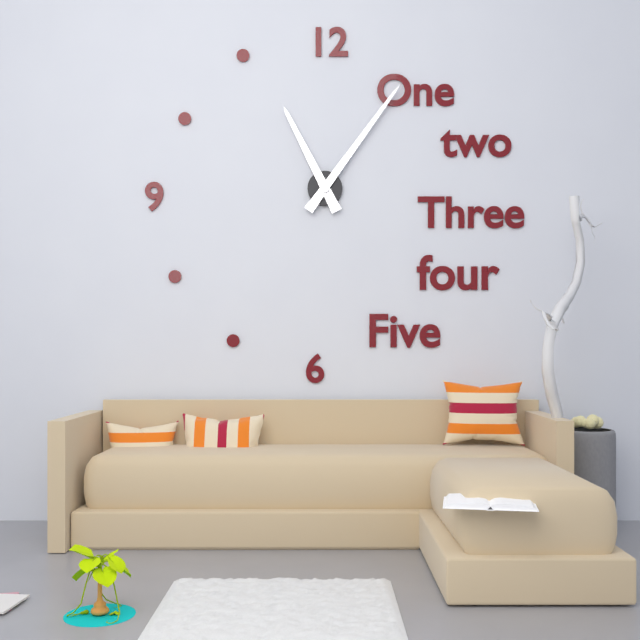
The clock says {"hour": 11, "minute": 6}
